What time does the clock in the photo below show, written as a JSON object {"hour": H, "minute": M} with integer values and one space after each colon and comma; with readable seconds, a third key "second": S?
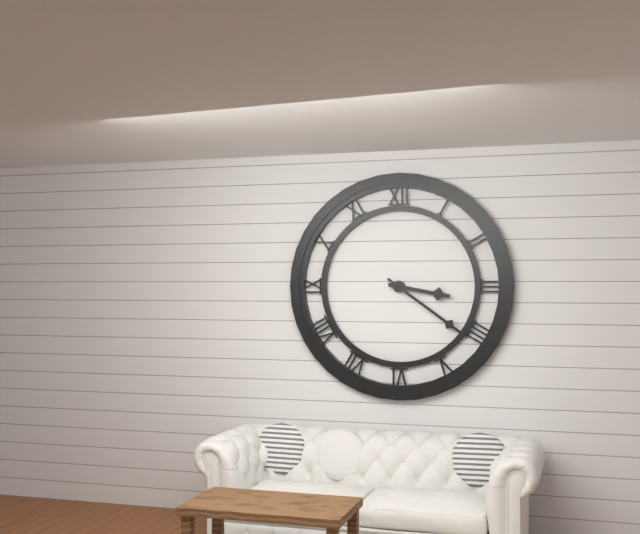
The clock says {"hour": 3, "minute": 21}
